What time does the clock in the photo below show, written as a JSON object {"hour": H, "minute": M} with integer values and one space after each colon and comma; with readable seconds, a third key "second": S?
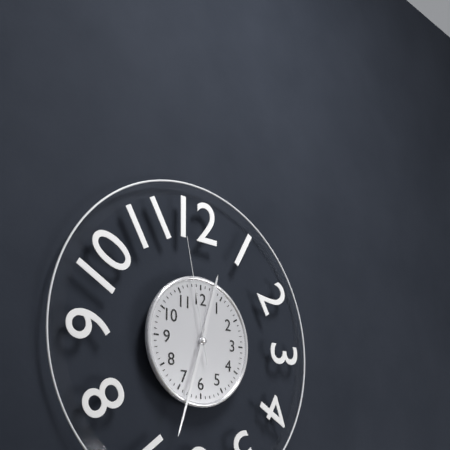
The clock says {"hour": 12, "minute": 33, "second": 58}
